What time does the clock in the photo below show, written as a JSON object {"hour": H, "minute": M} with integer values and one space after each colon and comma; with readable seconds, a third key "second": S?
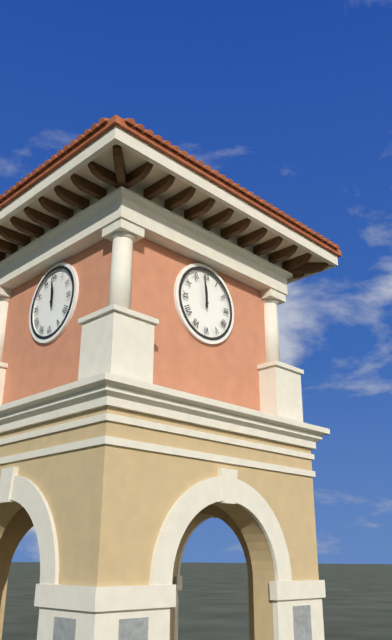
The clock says {"hour": 11, "minute": 59}
